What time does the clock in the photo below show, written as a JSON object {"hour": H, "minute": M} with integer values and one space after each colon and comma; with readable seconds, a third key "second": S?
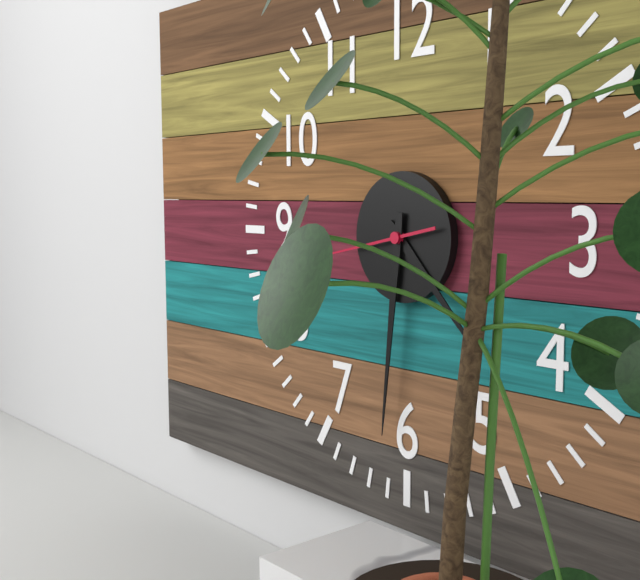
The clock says {"hour": 4, "minute": 31}
